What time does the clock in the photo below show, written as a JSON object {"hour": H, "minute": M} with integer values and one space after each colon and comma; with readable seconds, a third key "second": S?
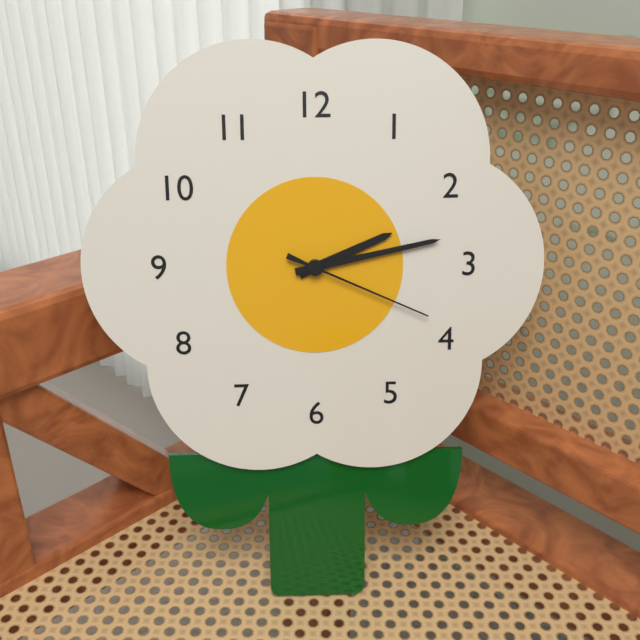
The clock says {"hour": 2, "minute": 13, "second": 19}
